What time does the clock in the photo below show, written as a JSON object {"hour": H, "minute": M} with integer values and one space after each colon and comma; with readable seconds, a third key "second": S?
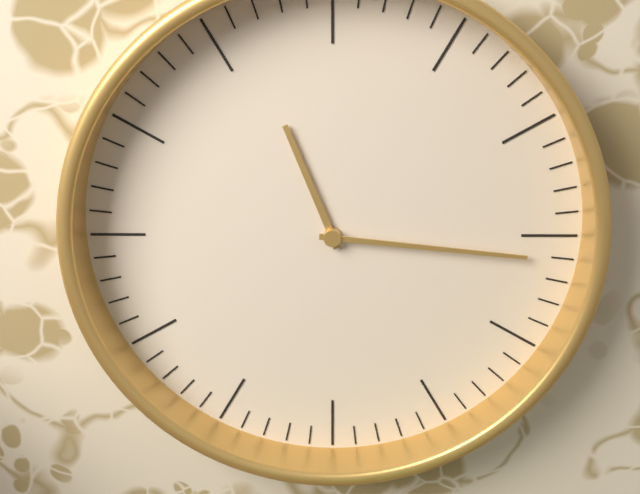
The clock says {"hour": 11, "minute": 16}
